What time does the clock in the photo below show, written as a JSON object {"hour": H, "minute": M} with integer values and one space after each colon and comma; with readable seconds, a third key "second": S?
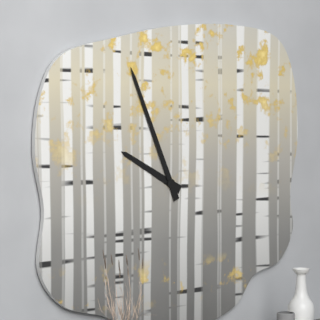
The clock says {"hour": 9, "minute": 56}
